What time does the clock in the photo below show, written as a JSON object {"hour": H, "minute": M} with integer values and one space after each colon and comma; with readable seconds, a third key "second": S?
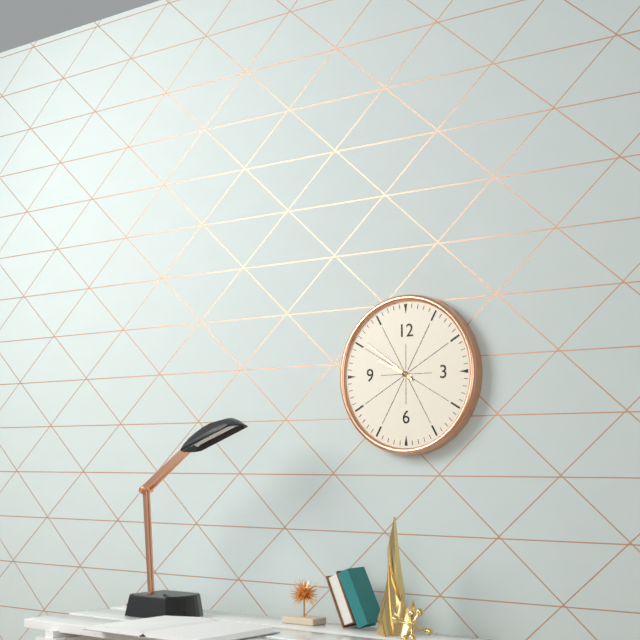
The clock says {"hour": 9, "minute": 51}
